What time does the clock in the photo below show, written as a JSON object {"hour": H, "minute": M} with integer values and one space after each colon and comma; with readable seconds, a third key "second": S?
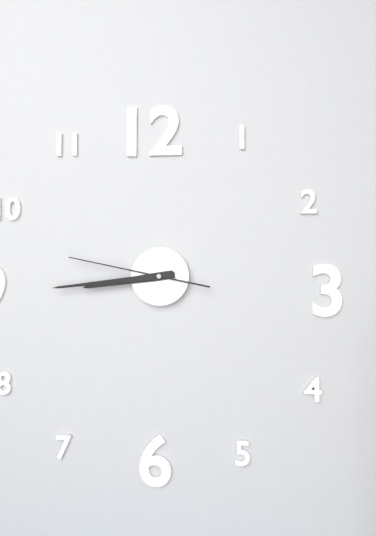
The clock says {"hour": 8, "minute": 44, "second": 47}
